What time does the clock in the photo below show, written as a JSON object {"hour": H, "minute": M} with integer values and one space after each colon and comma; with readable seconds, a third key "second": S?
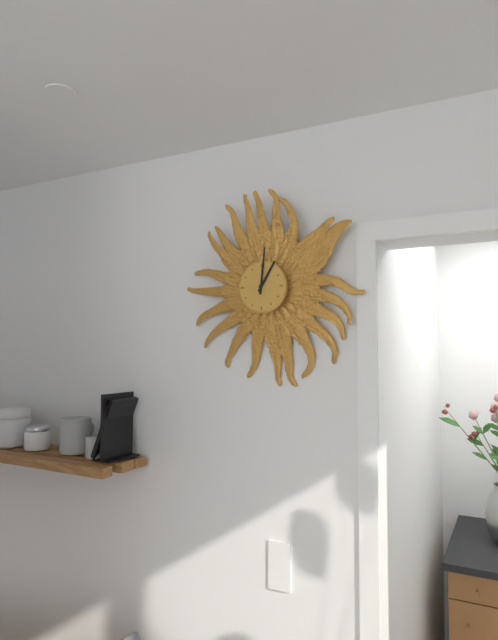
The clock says {"hour": 1, "minute": 1}
